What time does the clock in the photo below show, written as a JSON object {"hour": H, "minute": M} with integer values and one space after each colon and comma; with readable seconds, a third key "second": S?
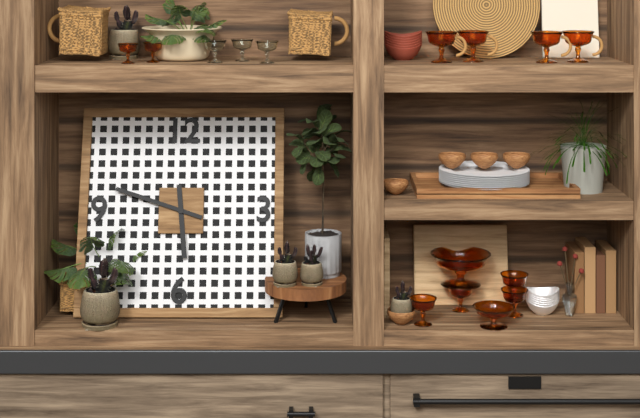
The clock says {"hour": 5, "minute": 48}
